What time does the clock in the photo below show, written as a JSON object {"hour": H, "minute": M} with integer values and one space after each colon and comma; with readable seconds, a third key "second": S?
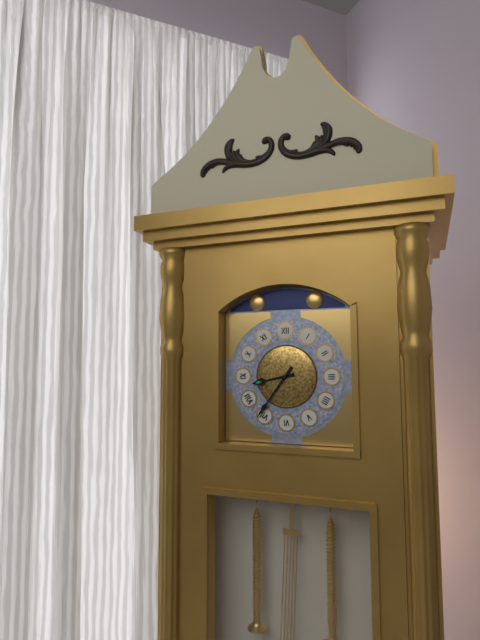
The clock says {"hour": 8, "minute": 36}
